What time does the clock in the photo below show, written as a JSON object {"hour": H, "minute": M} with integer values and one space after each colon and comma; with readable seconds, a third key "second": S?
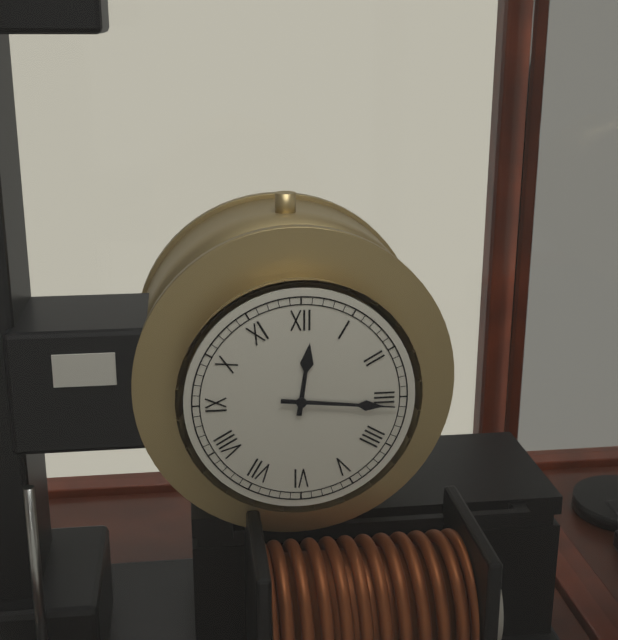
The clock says {"hour": 12, "minute": 16}
